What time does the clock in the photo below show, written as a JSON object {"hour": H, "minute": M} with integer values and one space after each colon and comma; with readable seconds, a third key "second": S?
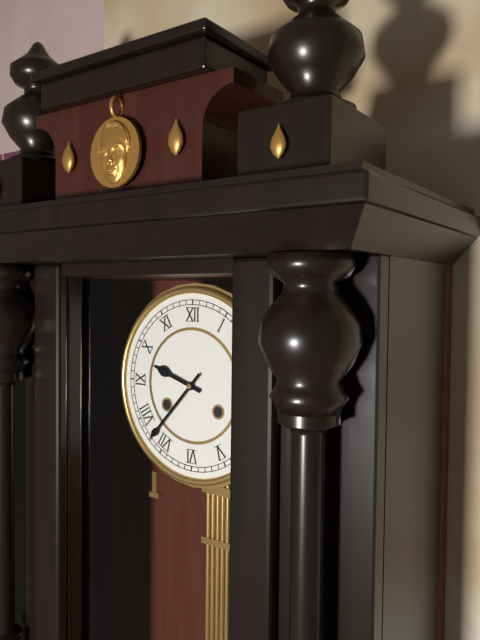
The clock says {"hour": 9, "minute": 37}
